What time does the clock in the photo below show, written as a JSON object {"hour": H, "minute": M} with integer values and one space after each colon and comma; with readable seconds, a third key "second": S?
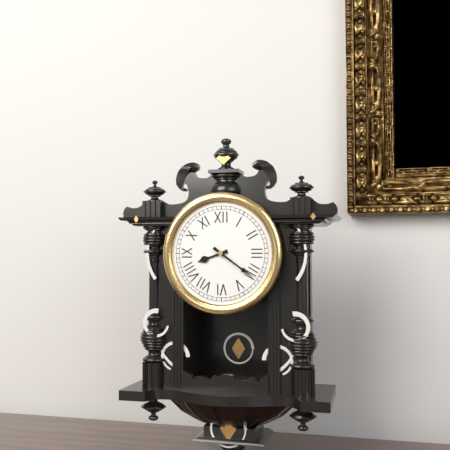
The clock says {"hour": 8, "minute": 21}
